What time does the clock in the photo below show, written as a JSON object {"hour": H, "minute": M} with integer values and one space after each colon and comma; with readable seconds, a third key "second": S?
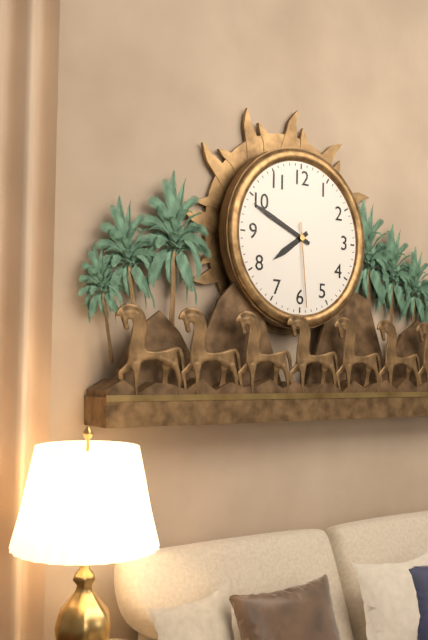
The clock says {"hour": 7, "minute": 49, "second": 29}
